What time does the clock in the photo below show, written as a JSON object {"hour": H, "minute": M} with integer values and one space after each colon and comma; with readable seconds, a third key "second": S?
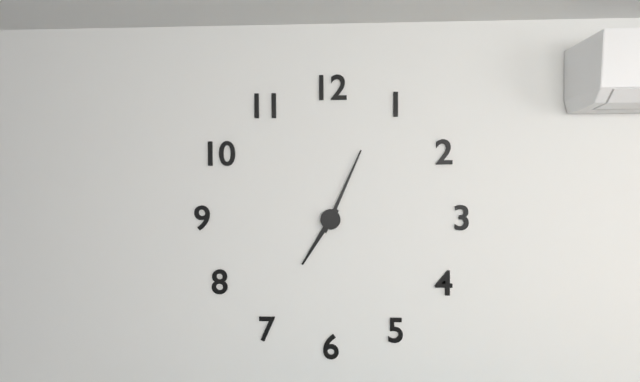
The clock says {"hour": 7, "minute": 4}
